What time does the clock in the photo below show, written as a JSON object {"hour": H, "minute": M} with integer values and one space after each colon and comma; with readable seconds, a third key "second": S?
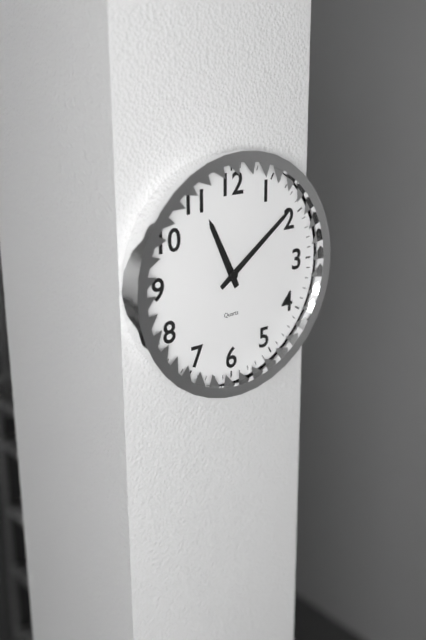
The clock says {"hour": 11, "minute": 9}
